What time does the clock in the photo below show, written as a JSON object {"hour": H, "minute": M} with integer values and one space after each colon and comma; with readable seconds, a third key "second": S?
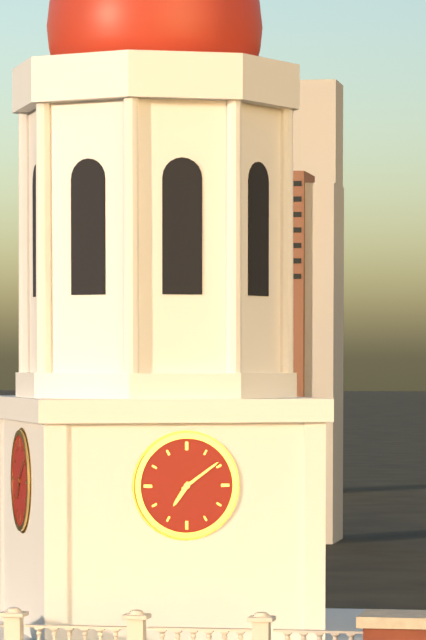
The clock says {"hour": 7, "minute": 9}
